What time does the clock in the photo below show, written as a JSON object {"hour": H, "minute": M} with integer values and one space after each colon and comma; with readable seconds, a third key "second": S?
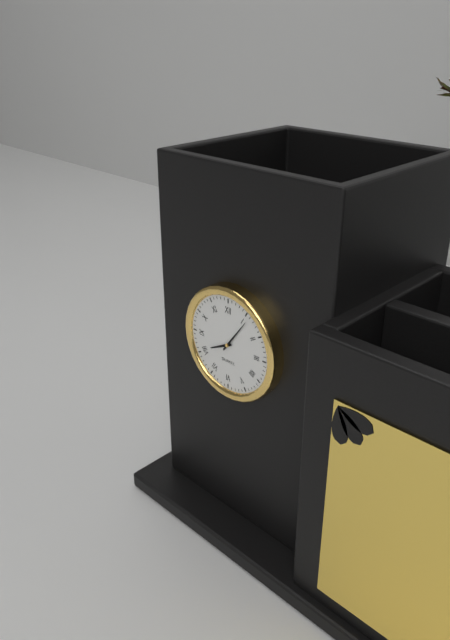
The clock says {"hour": 8, "minute": 6}
